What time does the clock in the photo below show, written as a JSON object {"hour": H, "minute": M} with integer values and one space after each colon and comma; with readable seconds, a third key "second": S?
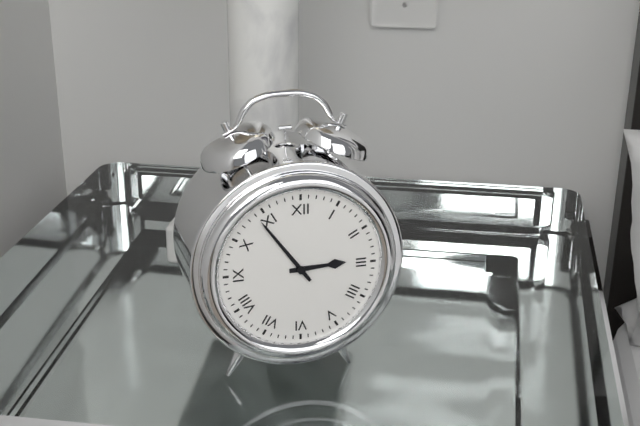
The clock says {"hour": 2, "minute": 54}
